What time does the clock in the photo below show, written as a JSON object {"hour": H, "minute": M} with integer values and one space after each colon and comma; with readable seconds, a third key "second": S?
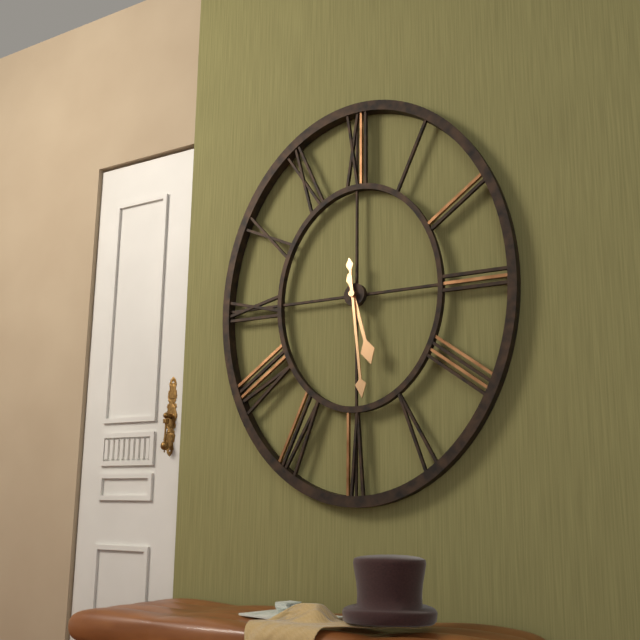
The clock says {"hour": 5, "minute": 29}
